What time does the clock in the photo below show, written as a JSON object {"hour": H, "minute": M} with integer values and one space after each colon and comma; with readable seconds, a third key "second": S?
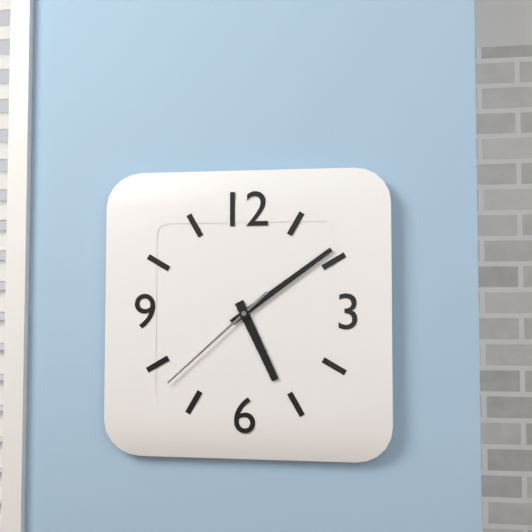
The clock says {"hour": 5, "minute": 9, "second": 38}
